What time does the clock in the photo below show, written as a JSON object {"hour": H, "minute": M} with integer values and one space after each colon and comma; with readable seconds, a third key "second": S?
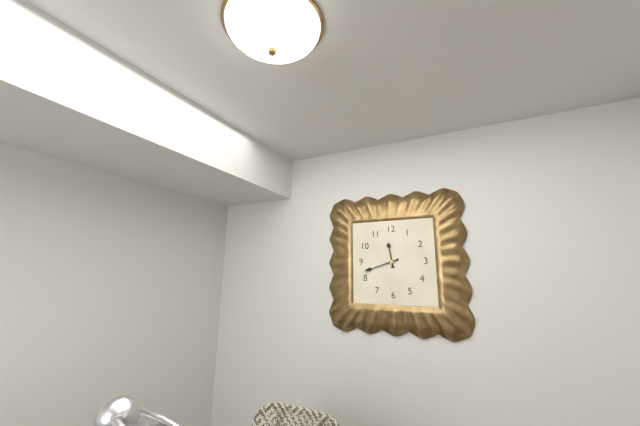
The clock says {"hour": 11, "minute": 42}
